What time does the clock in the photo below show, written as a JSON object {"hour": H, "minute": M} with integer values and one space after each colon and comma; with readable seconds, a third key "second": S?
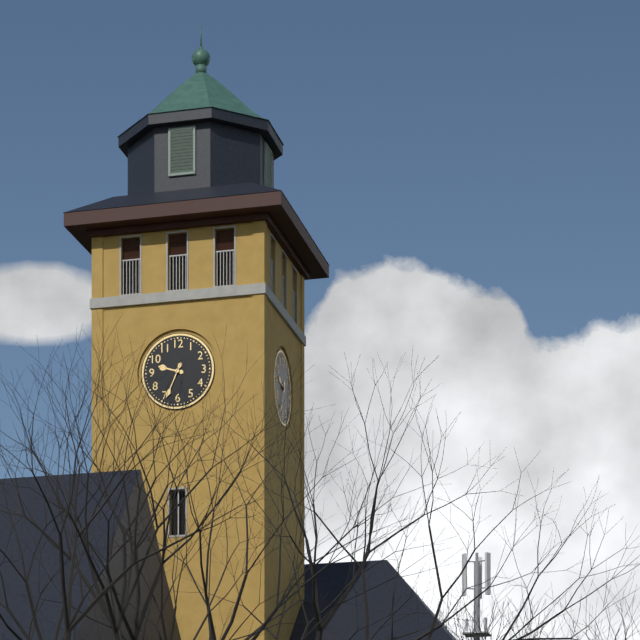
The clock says {"hour": 9, "minute": 34}
